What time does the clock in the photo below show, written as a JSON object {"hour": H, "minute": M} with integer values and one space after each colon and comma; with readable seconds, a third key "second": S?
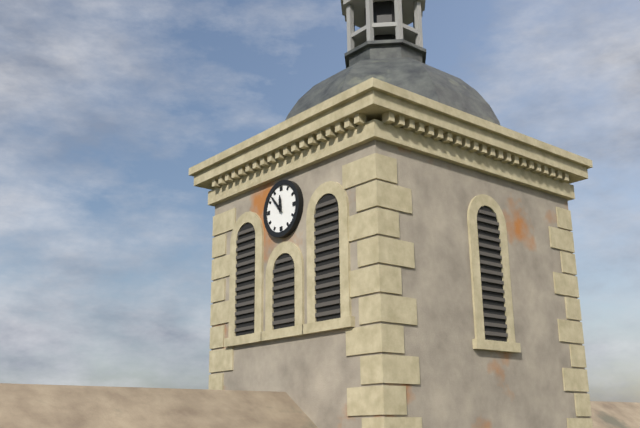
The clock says {"hour": 11, "minute": 53}
